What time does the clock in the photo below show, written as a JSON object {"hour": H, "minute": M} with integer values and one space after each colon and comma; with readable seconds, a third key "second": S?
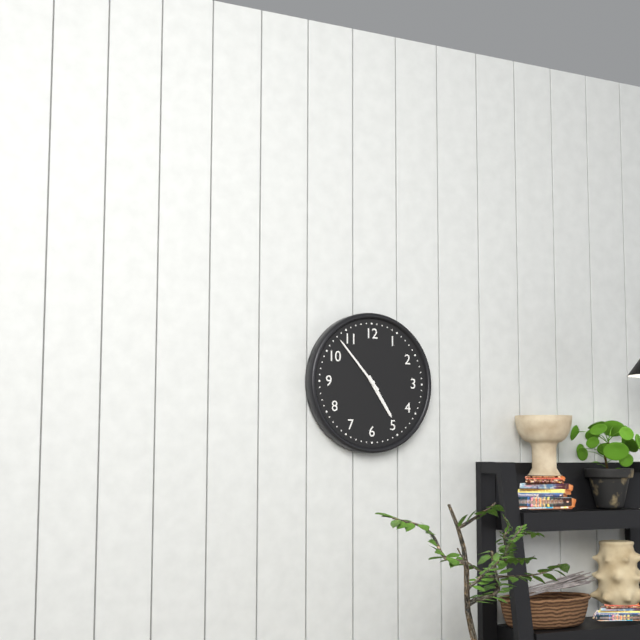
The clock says {"hour": 4, "minute": 53}
